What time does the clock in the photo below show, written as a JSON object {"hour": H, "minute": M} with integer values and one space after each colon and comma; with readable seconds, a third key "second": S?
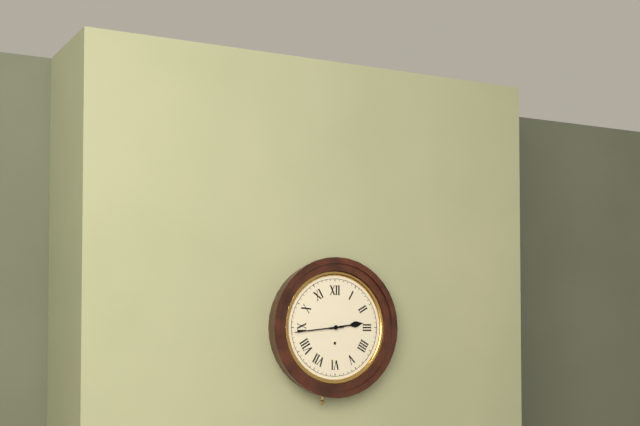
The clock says {"hour": 2, "minute": 44}
